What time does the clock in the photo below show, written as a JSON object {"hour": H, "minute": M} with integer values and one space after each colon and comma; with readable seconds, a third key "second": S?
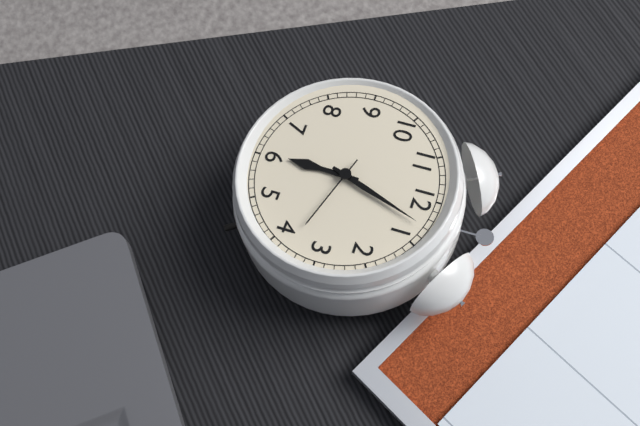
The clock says {"hour": 6, "minute": 3, "second": 18}
